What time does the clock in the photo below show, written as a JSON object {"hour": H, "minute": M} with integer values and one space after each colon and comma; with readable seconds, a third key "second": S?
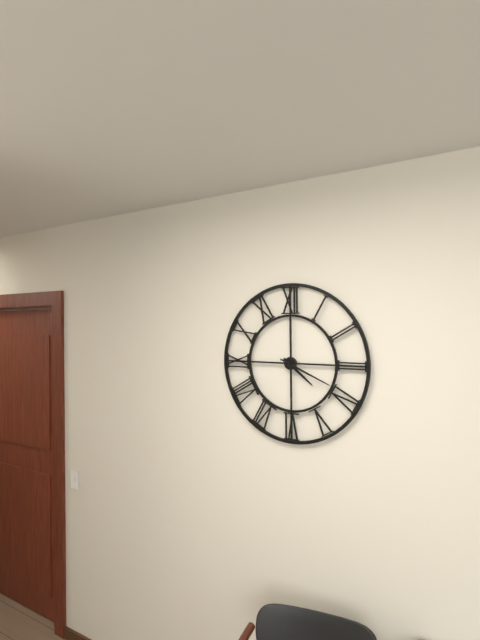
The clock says {"hour": 4, "minute": 19}
